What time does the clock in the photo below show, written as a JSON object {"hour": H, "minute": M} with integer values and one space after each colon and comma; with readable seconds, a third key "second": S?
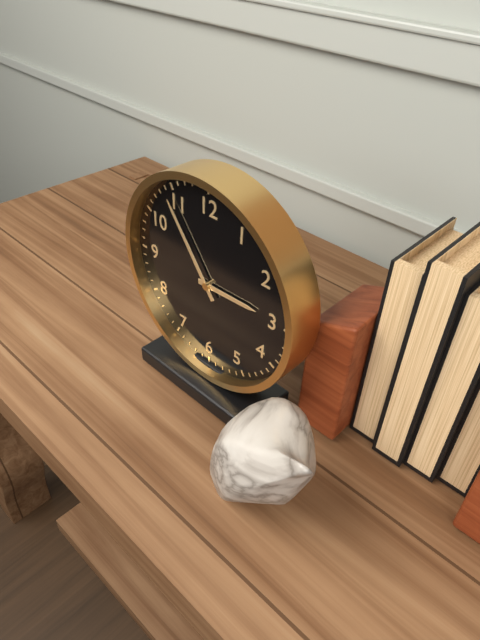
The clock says {"hour": 2, "minute": 54}
